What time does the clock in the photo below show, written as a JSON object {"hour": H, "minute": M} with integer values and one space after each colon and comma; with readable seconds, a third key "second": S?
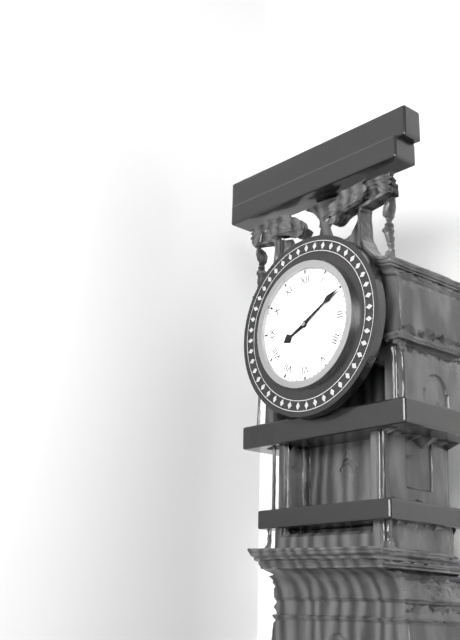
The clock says {"hour": 8, "minute": 10}
